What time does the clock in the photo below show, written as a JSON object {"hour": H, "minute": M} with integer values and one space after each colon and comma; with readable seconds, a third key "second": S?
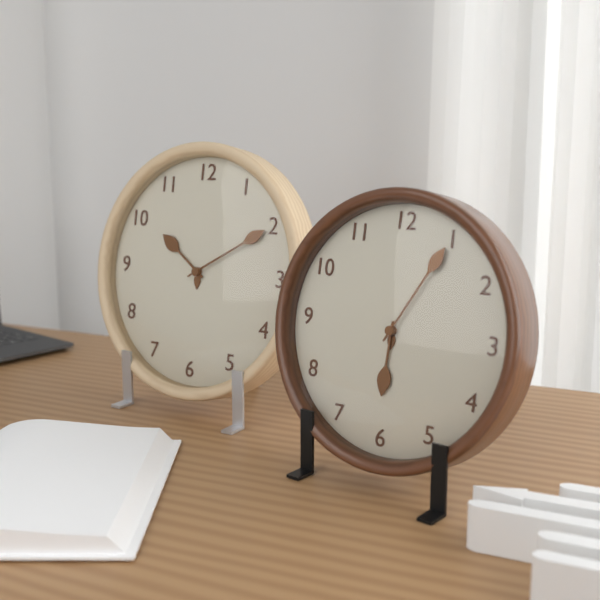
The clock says {"hour": 6, "minute": 5}
